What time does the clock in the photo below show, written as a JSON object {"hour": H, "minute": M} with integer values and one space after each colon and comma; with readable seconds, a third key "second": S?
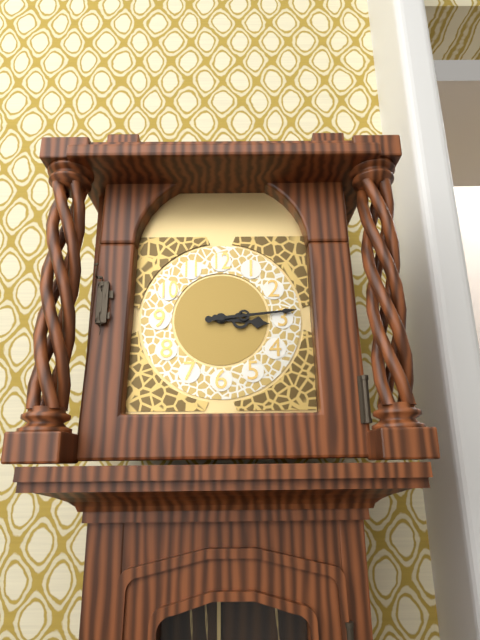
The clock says {"hour": 3, "minute": 14}
